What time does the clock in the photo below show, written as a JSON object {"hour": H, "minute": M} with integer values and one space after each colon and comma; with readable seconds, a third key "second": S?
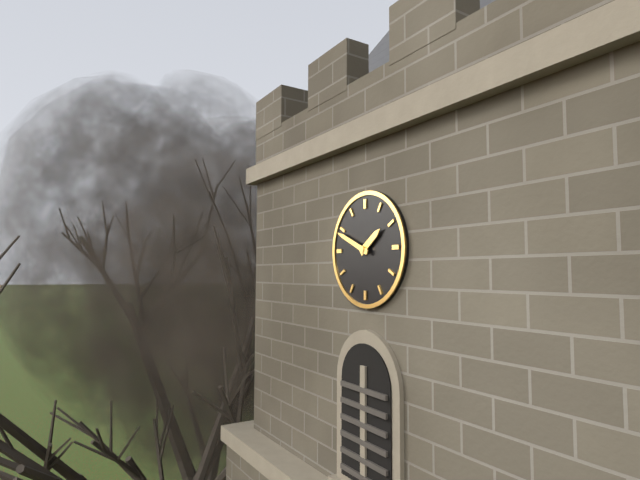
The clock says {"hour": 1, "minute": 49}
